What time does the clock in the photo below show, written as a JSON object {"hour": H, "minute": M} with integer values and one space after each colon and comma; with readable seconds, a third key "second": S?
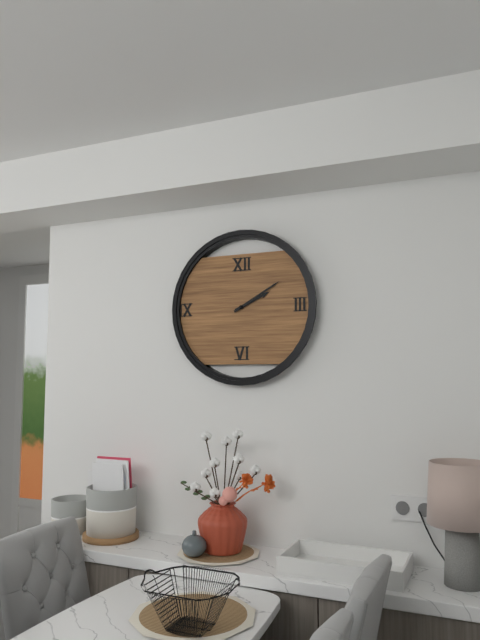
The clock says {"hour": 2, "minute": 10}
